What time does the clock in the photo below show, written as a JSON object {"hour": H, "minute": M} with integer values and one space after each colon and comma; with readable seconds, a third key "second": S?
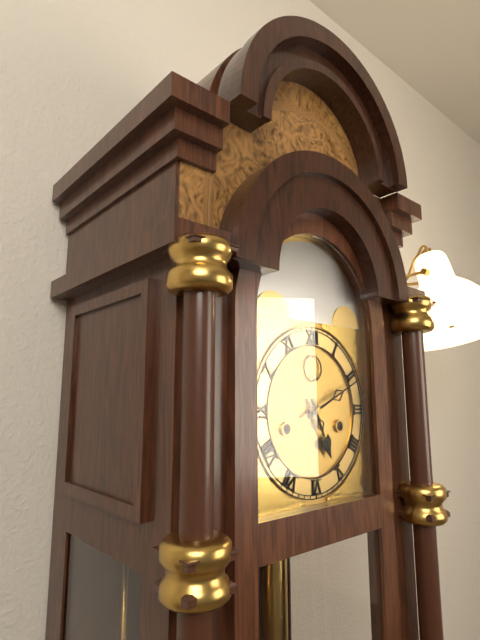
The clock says {"hour": 5, "minute": 11}
